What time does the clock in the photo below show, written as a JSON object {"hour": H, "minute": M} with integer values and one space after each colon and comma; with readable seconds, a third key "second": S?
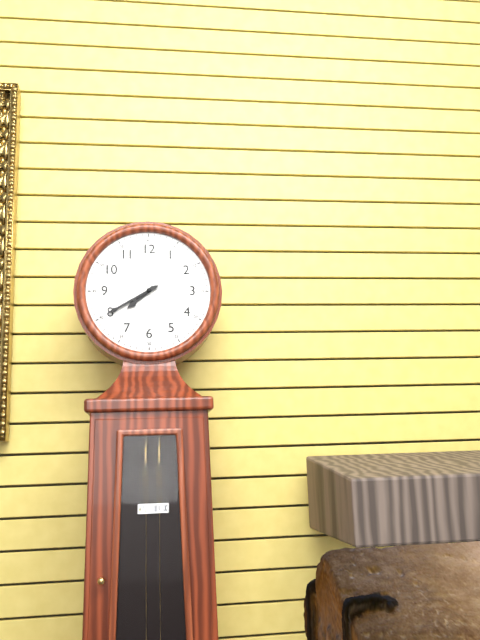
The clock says {"hour": 7, "minute": 40}
